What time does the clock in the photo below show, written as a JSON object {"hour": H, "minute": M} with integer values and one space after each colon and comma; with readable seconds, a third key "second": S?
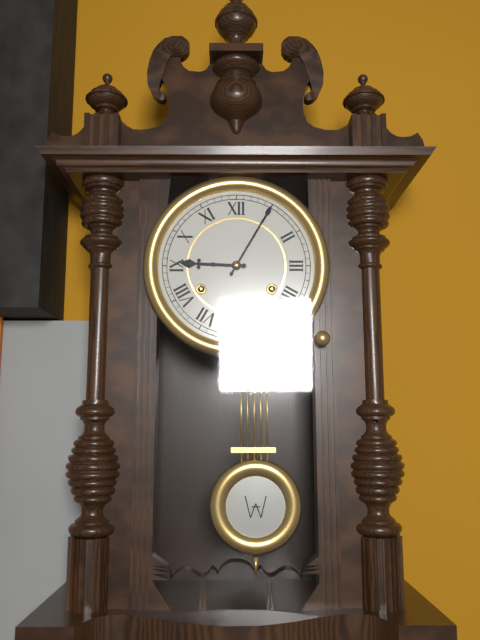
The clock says {"hour": 9, "minute": 5}
